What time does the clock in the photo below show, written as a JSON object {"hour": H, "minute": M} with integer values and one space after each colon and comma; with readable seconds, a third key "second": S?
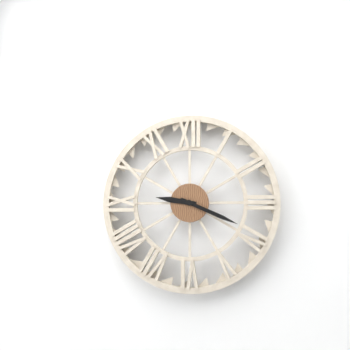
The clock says {"hour": 9, "minute": 19}
